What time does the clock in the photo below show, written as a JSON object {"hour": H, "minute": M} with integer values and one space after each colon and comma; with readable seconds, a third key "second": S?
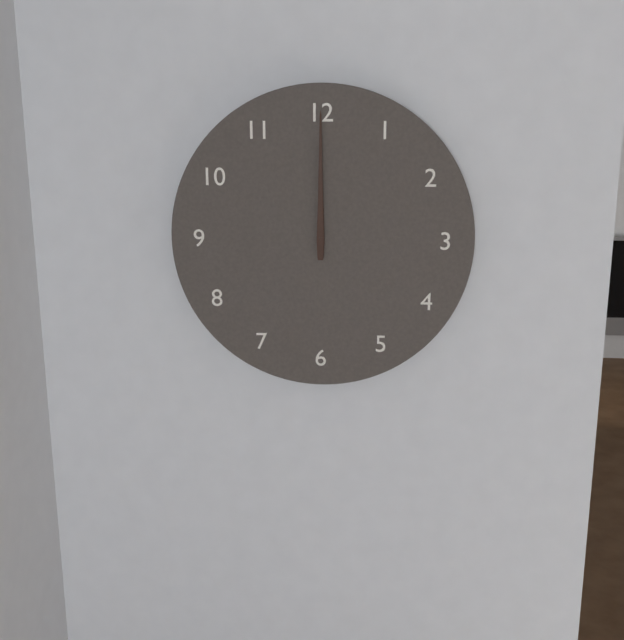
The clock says {"hour": 12, "minute": 0}
